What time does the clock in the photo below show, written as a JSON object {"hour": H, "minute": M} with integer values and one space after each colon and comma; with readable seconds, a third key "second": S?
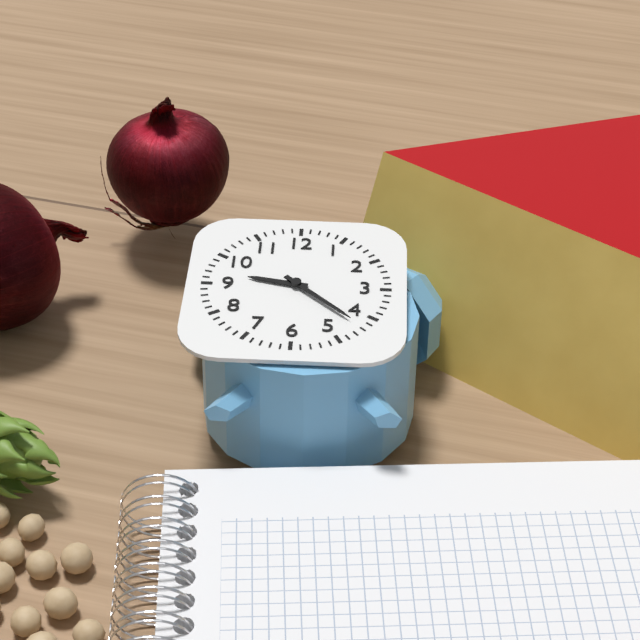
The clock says {"hour": 9, "minute": 22}
